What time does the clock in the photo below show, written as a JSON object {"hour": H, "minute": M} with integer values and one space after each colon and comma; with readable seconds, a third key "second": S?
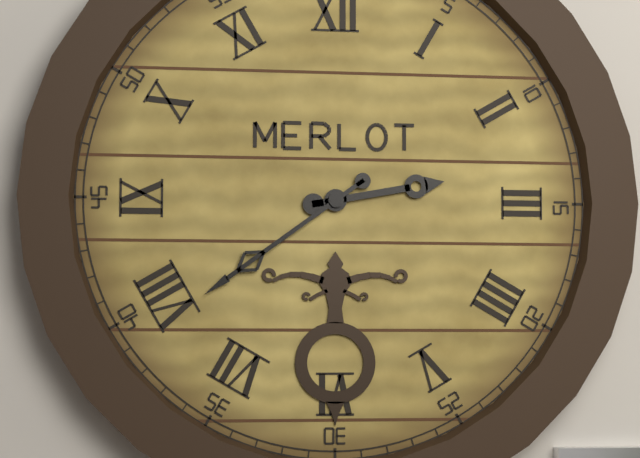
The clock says {"hour": 2, "minute": 39}
